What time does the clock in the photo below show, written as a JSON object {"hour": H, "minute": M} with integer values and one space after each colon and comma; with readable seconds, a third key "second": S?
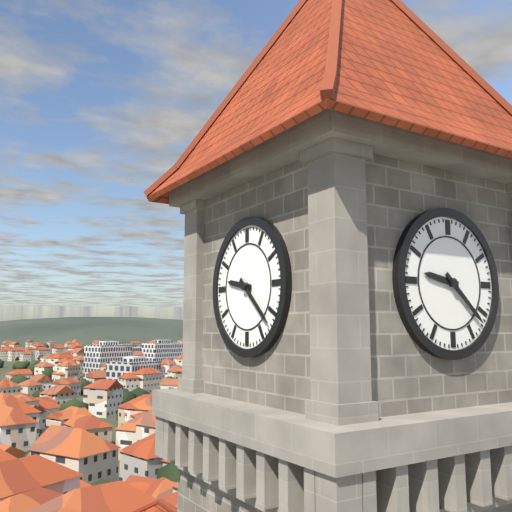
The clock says {"hour": 9, "minute": 22}
